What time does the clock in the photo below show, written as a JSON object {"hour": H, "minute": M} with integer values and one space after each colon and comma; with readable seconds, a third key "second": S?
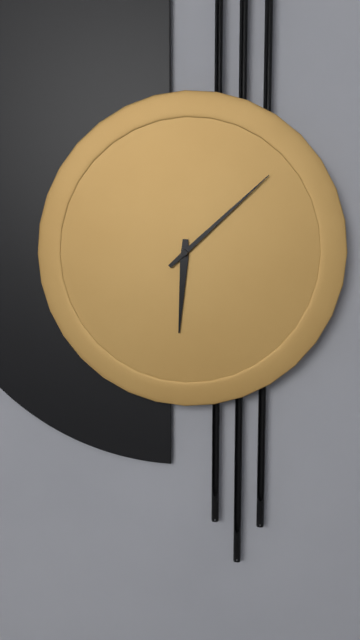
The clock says {"hour": 6, "minute": 8}
